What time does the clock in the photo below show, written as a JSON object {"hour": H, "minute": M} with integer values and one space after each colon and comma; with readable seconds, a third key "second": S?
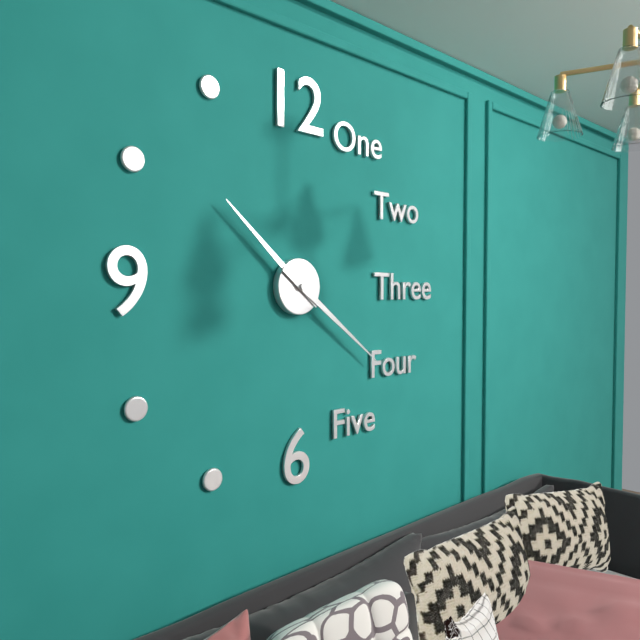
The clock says {"hour": 10, "minute": 21}
